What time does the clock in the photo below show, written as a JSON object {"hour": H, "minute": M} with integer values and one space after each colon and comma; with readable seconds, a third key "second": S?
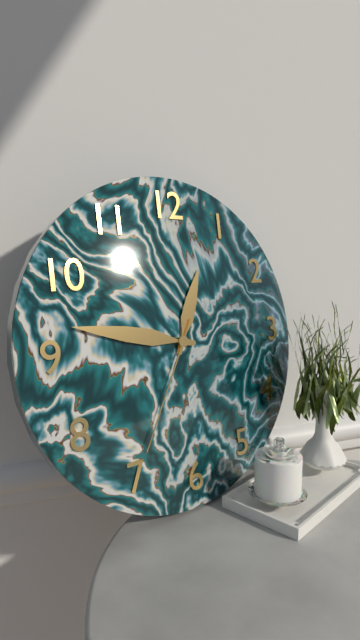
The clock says {"hour": 12, "minute": 47, "second": 35}
